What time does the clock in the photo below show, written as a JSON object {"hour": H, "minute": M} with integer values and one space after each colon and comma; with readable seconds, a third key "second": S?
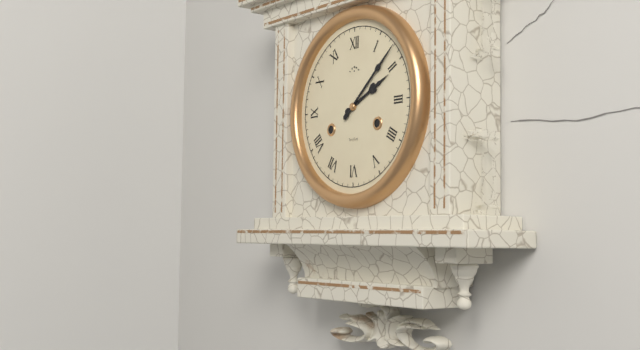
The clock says {"hour": 2, "minute": 8}
